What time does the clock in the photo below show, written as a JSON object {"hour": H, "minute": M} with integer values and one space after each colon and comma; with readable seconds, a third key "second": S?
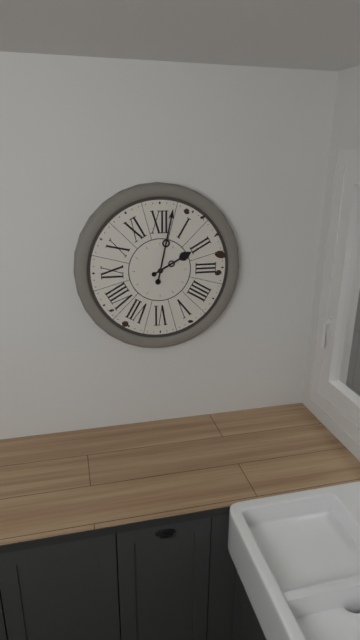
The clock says {"hour": 2, "minute": 2}
